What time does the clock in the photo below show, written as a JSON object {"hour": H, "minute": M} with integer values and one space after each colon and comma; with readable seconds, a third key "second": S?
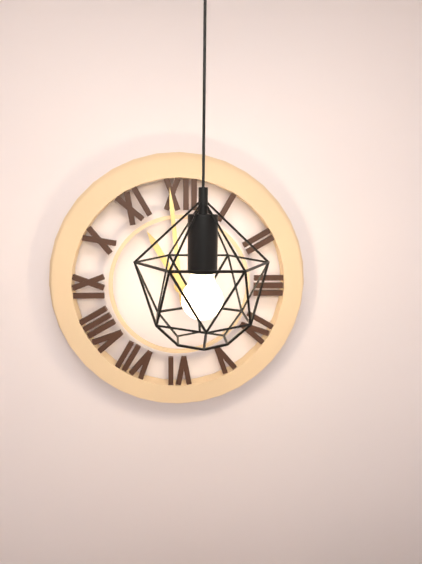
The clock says {"hour": 10, "minute": 59}
